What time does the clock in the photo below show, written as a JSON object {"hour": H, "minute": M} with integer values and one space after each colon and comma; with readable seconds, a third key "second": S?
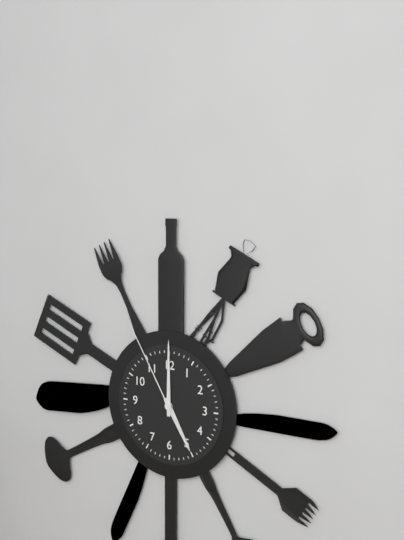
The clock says {"hour": 5, "minute": 0, "second": 55}
